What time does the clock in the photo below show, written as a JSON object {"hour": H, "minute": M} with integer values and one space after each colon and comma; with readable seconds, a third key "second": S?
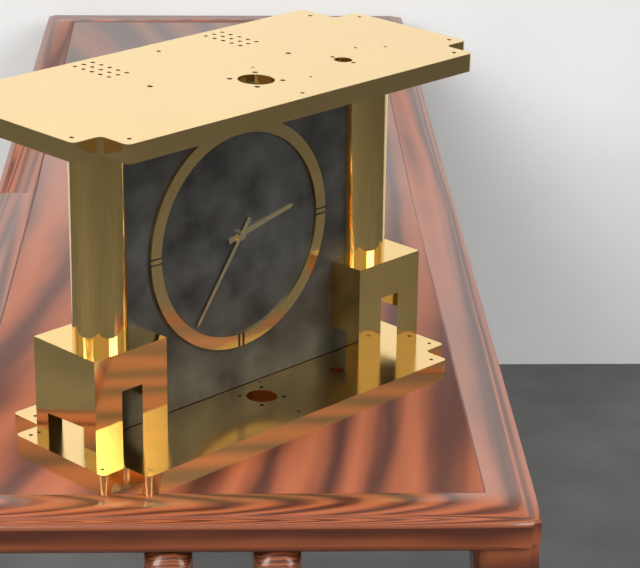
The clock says {"hour": 2, "minute": 36}
